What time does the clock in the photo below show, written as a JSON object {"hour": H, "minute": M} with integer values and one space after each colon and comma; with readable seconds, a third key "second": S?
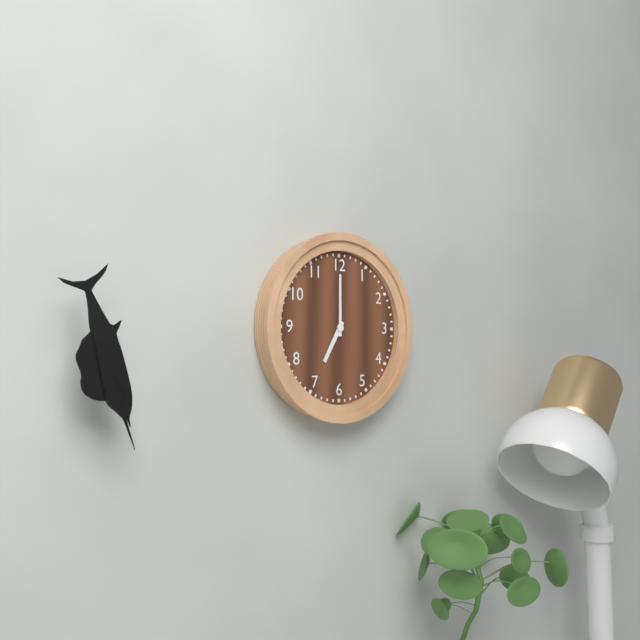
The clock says {"hour": 7, "minute": 0}
